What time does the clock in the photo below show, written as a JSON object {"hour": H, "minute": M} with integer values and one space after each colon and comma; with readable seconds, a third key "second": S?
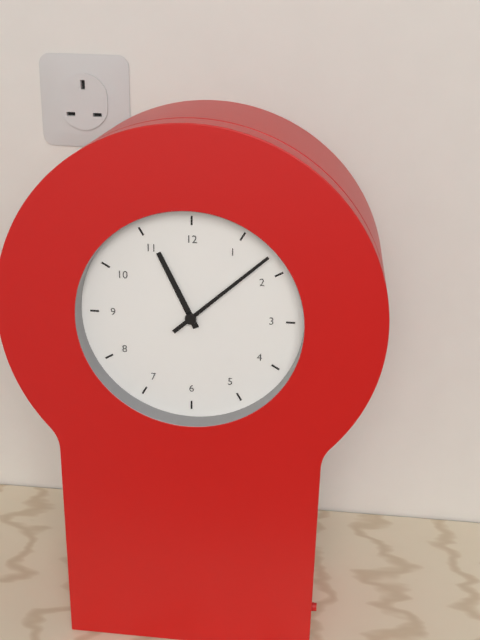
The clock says {"hour": 11, "minute": 8}
